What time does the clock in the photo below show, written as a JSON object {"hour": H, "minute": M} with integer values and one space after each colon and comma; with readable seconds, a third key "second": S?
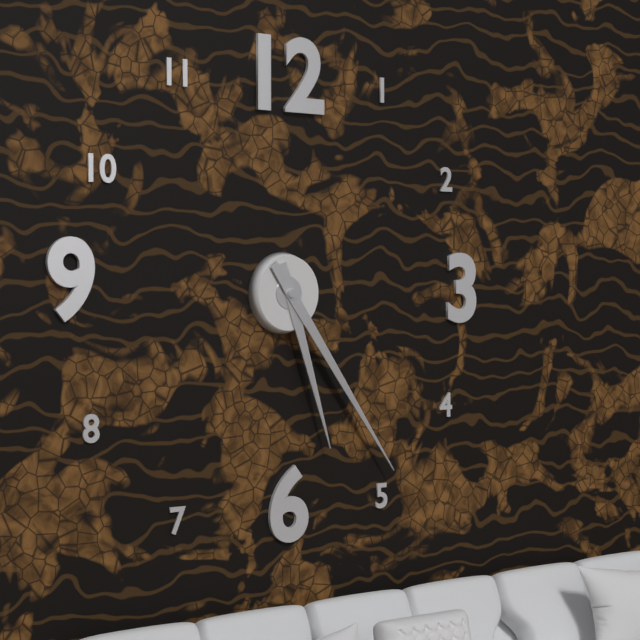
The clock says {"hour": 5, "minute": 24}
